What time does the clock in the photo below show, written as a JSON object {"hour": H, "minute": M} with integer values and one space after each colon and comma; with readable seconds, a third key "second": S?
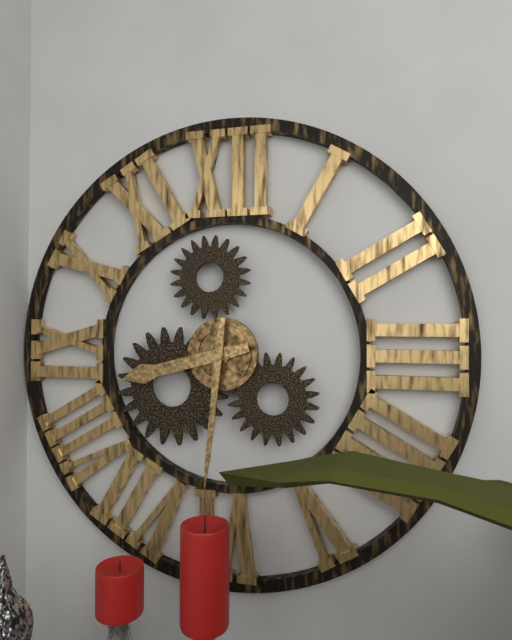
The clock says {"hour": 8, "minute": 31}
